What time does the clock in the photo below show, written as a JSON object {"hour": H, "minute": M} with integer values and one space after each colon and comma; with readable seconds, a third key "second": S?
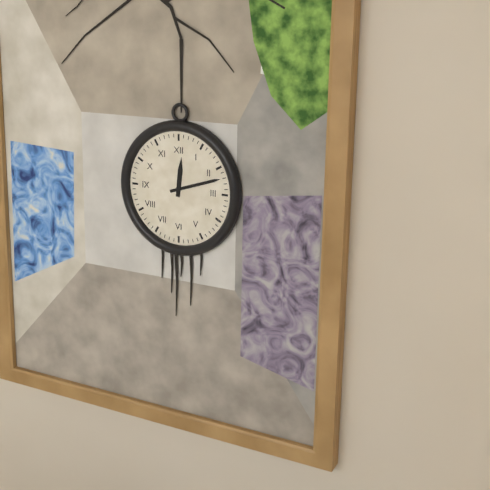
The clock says {"hour": 12, "minute": 12}
